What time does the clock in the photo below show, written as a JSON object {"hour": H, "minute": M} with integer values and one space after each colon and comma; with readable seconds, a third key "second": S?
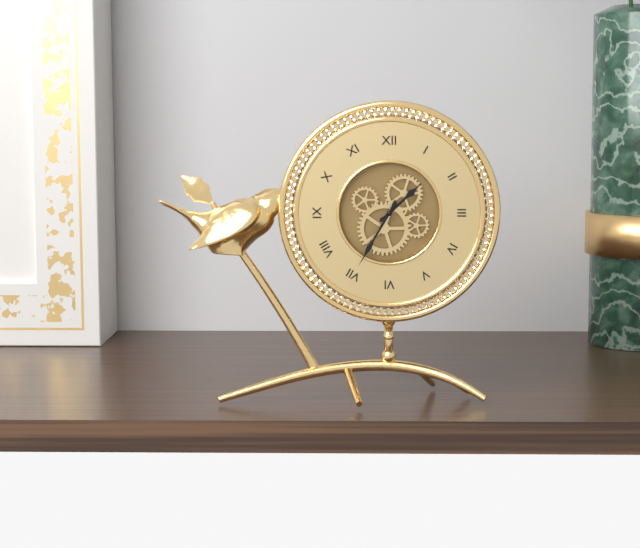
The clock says {"hour": 1, "minute": 35}
